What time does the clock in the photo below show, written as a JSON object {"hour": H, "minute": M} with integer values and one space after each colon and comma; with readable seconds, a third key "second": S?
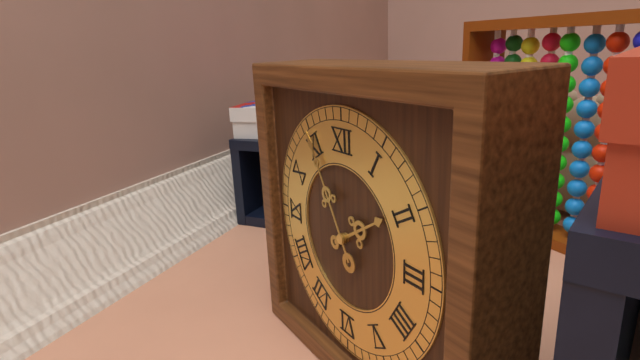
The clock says {"hour": 1, "minute": 55}
